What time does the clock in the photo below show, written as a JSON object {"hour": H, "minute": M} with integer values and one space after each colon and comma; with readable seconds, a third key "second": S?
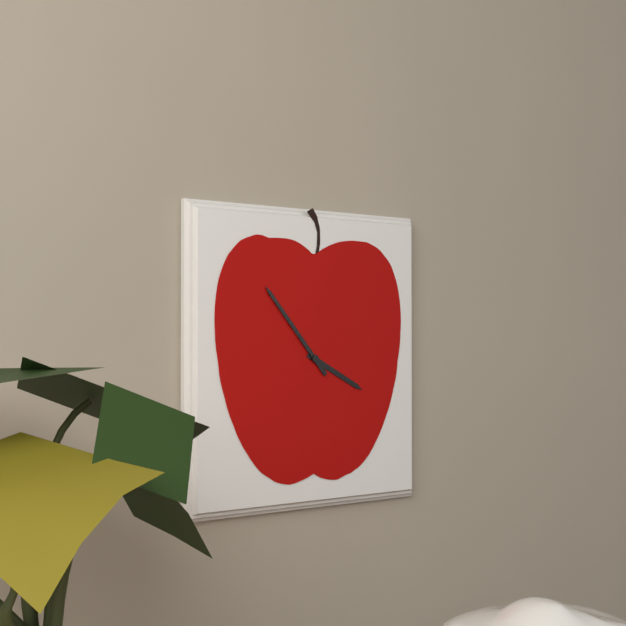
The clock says {"hour": 3, "minute": 53}
